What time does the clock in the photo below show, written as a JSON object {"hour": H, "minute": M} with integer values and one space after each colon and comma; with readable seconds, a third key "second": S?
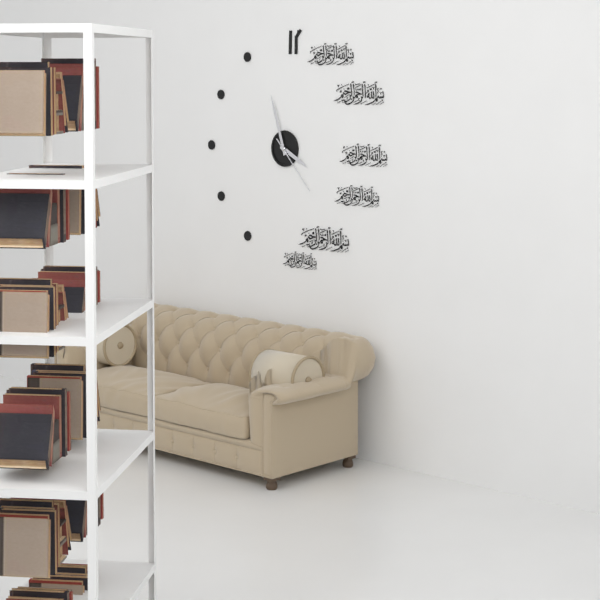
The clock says {"hour": 3, "minute": 57, "second": 23}
